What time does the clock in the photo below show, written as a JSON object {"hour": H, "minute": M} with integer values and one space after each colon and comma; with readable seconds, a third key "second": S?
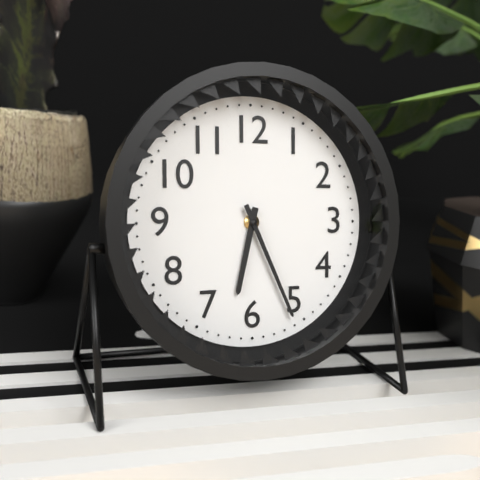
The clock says {"hour": 6, "minute": 26}
